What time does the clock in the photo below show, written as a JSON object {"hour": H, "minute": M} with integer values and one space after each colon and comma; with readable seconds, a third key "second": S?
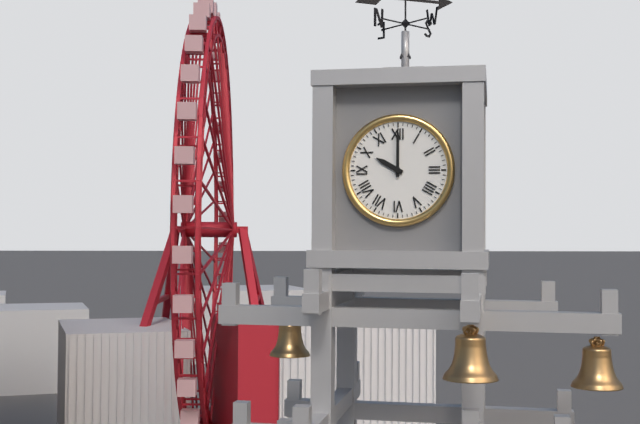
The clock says {"hour": 10, "minute": 0}
